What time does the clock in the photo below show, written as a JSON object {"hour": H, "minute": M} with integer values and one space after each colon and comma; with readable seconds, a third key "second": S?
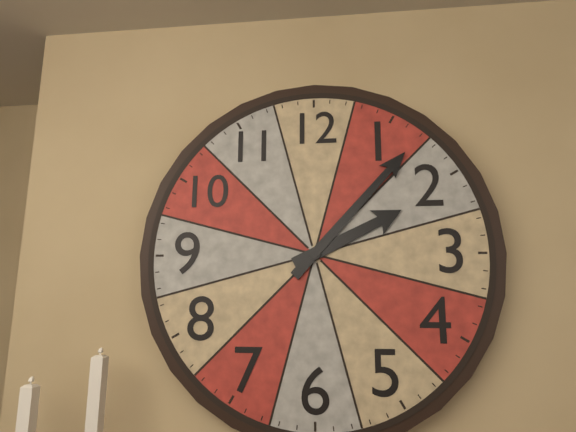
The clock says {"hour": 2, "minute": 7}
